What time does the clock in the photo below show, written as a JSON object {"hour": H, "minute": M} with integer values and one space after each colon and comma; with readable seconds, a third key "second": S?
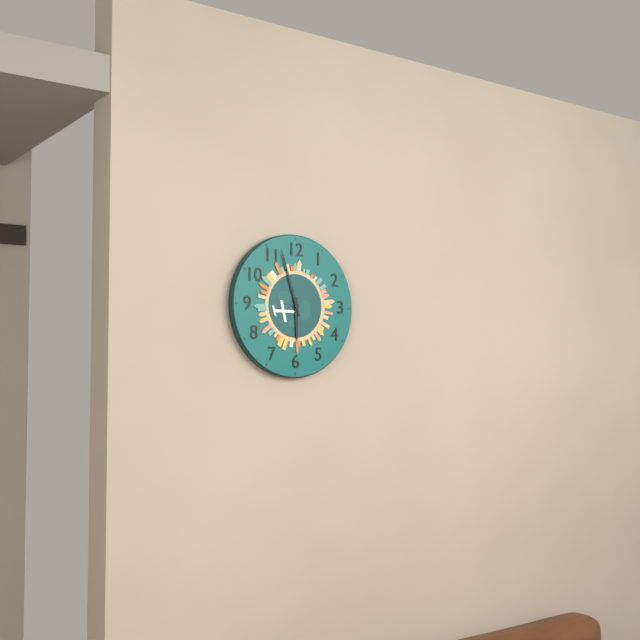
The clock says {"hour": 5, "minute": 57}
